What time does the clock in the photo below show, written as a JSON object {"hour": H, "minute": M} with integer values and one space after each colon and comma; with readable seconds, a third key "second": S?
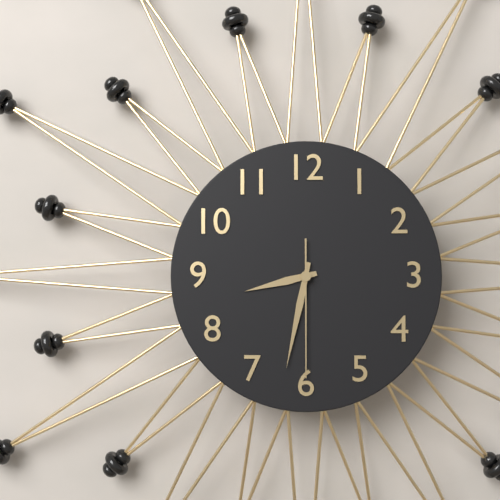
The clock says {"hour": 8, "minute": 32, "second": 30}
